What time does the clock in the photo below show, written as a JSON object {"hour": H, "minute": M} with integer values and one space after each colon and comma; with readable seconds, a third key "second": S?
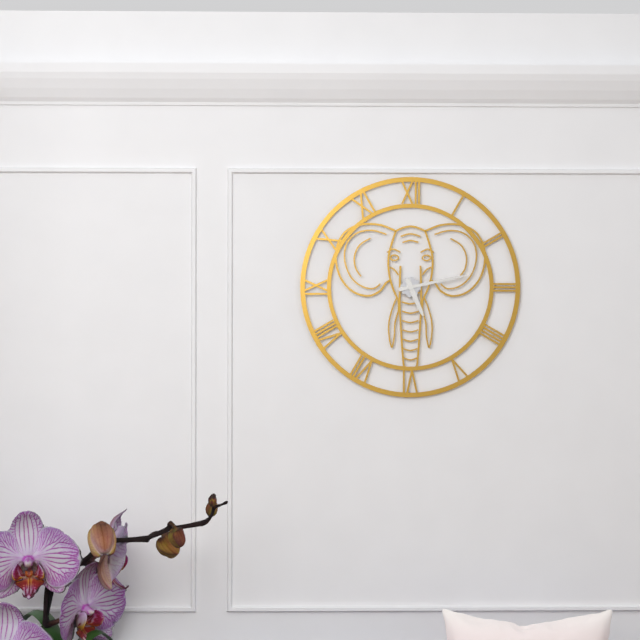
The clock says {"hour": 5, "minute": 13}
